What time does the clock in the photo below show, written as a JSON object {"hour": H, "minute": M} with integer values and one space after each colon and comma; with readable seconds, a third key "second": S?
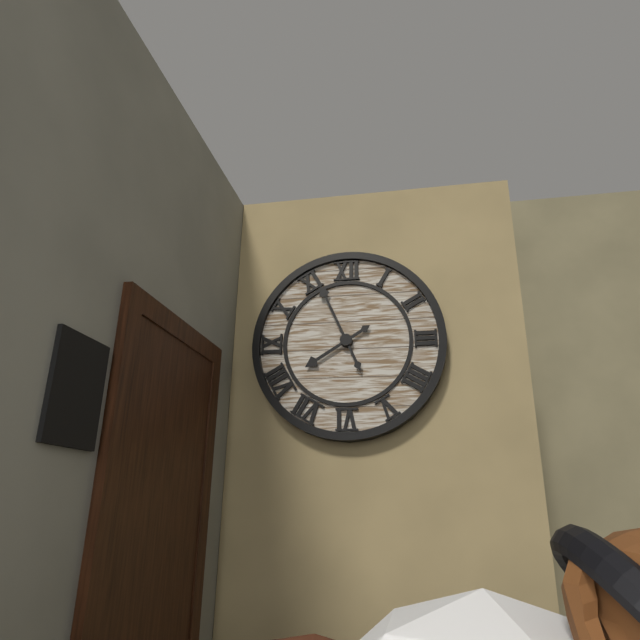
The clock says {"hour": 7, "minute": 56}
